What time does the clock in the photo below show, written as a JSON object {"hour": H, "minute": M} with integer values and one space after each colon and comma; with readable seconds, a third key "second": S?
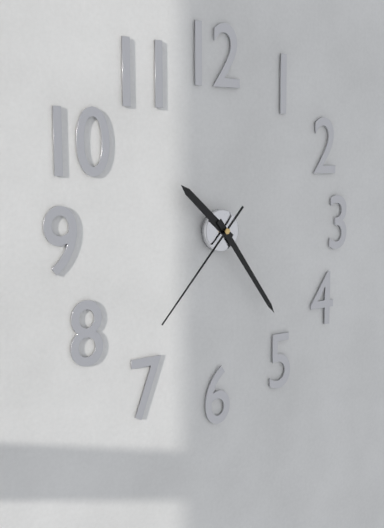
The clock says {"hour": 10, "minute": 24, "second": 37}
